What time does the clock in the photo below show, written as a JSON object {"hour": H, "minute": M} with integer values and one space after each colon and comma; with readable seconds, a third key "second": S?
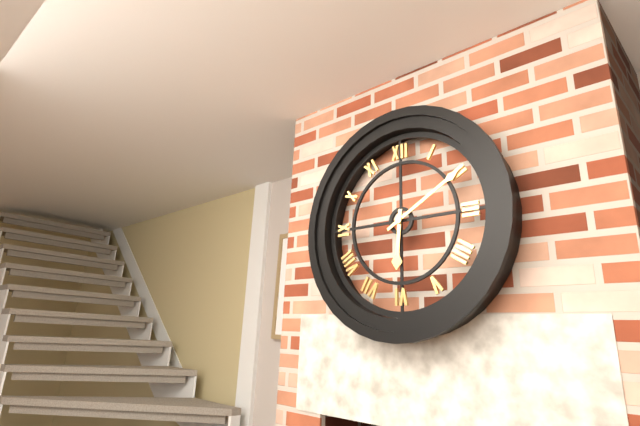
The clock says {"hour": 6, "minute": 10}
